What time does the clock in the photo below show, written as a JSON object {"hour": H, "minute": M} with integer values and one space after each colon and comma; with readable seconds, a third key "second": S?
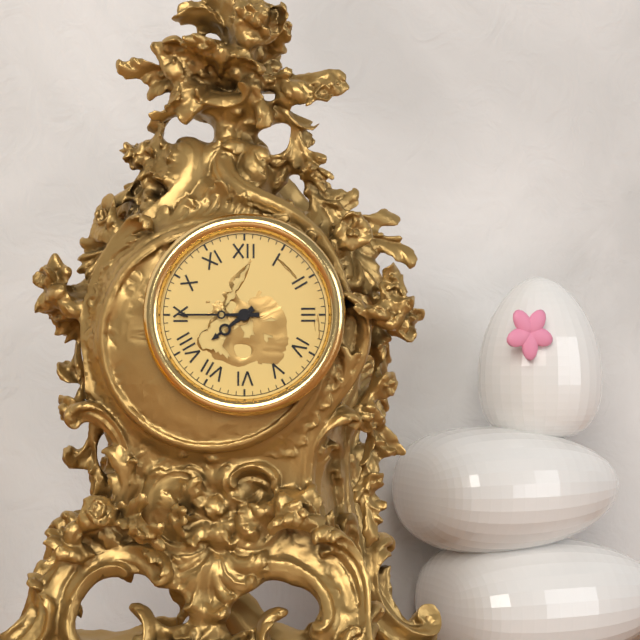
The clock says {"hour": 7, "minute": 45}
